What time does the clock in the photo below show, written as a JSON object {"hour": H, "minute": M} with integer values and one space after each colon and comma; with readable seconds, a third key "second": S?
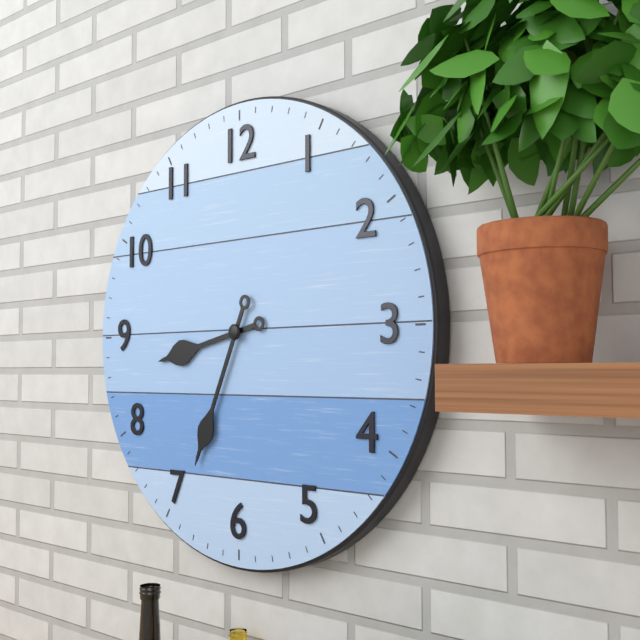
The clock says {"hour": 8, "minute": 34}
